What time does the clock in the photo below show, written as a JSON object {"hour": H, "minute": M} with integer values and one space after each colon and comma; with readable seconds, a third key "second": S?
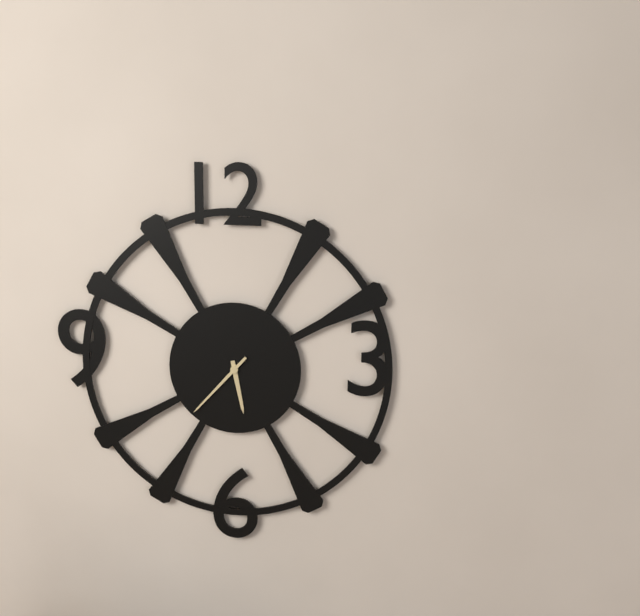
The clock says {"hour": 5, "minute": 37}
